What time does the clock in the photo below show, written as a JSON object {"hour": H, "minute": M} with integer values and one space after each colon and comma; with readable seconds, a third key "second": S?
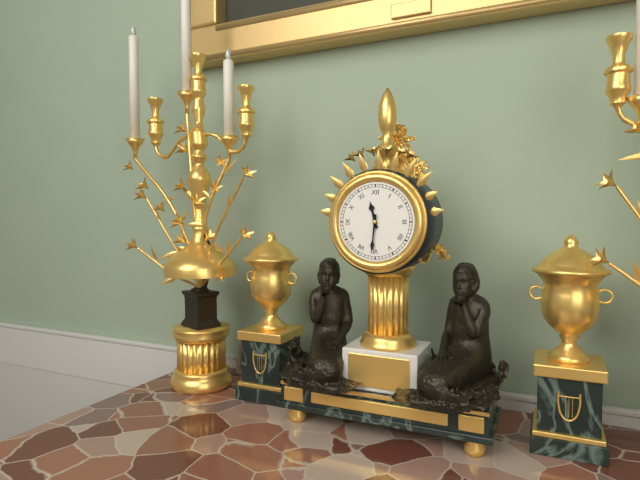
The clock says {"hour": 11, "minute": 31}
